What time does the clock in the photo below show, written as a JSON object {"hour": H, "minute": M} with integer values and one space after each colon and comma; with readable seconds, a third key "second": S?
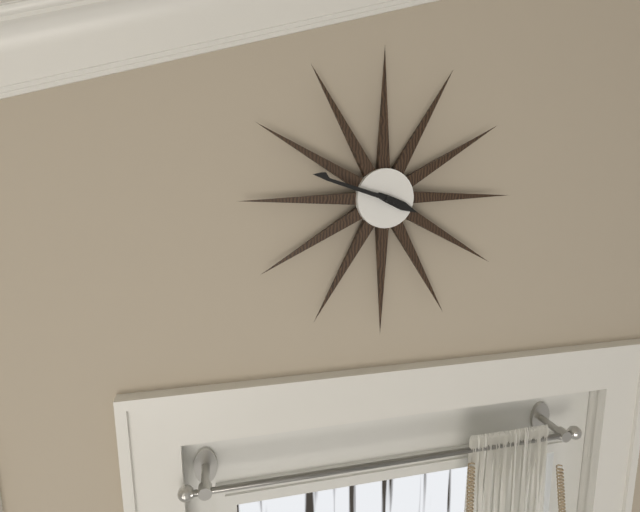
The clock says {"hour": 3, "minute": 48}
